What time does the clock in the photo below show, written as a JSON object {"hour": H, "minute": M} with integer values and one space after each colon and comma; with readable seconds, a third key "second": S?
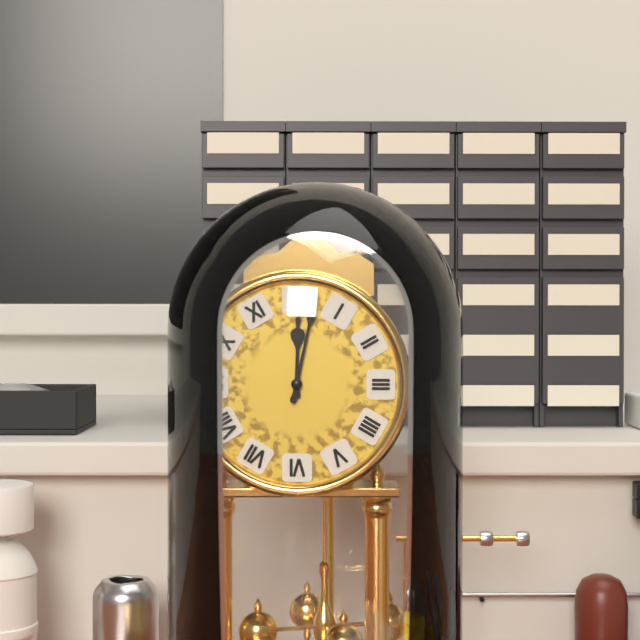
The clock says {"hour": 12, "minute": 2}
